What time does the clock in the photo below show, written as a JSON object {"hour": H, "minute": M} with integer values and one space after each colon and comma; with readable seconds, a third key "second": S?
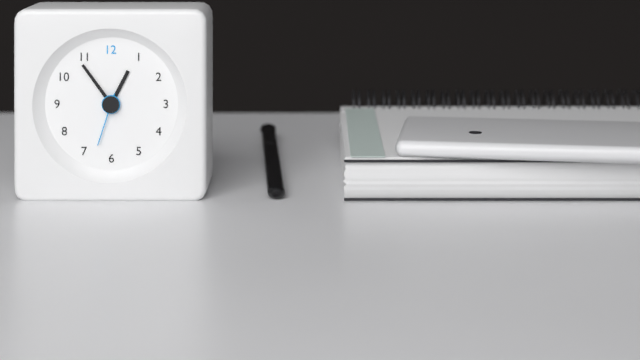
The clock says {"hour": 12, "minute": 54, "second": 33}
